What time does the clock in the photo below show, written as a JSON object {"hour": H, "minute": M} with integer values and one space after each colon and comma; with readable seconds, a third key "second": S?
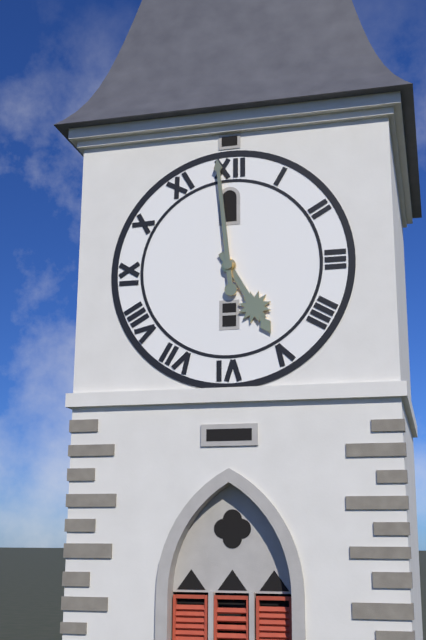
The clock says {"hour": 4, "minute": 59}
